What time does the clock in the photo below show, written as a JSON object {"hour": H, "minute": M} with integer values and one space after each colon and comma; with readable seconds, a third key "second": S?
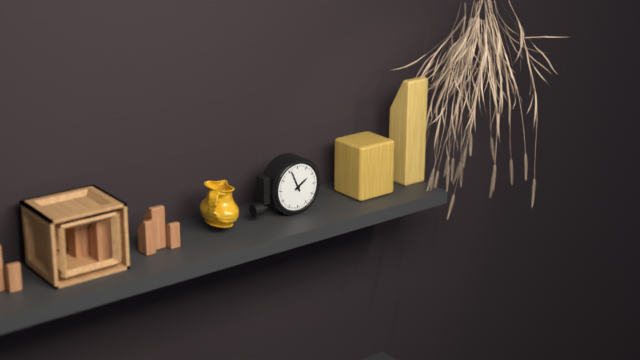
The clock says {"hour": 1, "minute": 56}
